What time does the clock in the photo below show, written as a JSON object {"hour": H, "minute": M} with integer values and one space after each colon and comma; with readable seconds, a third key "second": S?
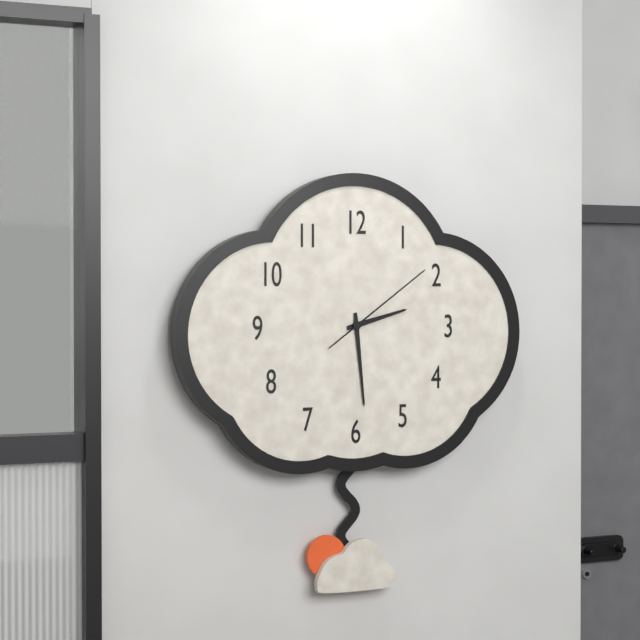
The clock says {"hour": 2, "minute": 29, "second": 9}
